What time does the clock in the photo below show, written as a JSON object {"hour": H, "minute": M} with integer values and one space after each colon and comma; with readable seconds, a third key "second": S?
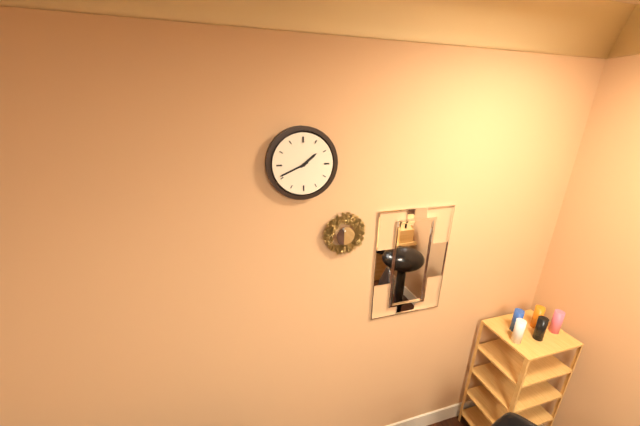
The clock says {"hour": 1, "minute": 41}
